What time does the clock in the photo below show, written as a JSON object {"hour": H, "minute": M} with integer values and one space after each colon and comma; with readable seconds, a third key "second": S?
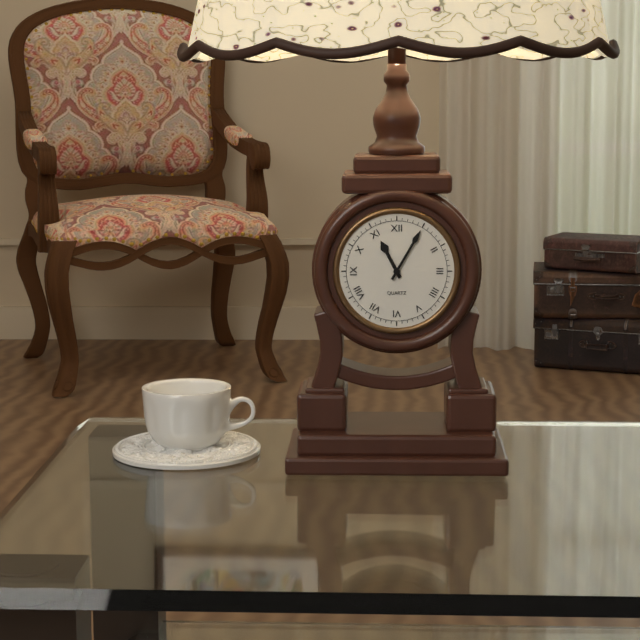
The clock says {"hour": 11, "minute": 5}
